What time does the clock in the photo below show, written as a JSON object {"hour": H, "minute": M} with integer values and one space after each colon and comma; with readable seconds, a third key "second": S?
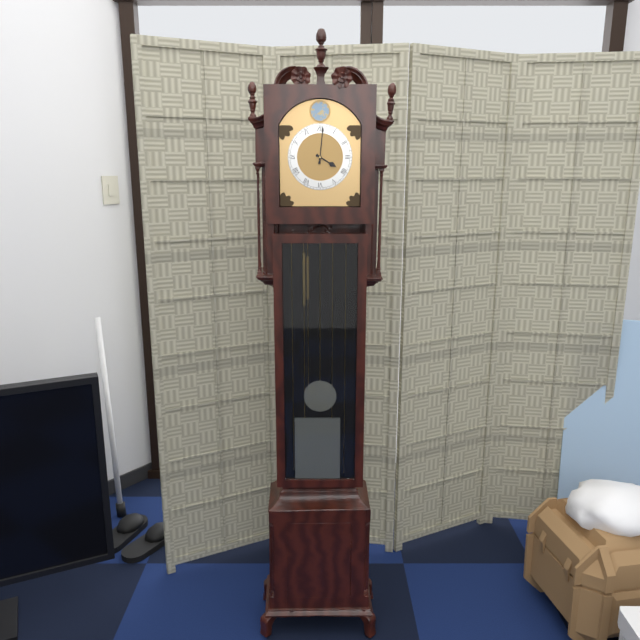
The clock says {"hour": 4, "minute": 1}
